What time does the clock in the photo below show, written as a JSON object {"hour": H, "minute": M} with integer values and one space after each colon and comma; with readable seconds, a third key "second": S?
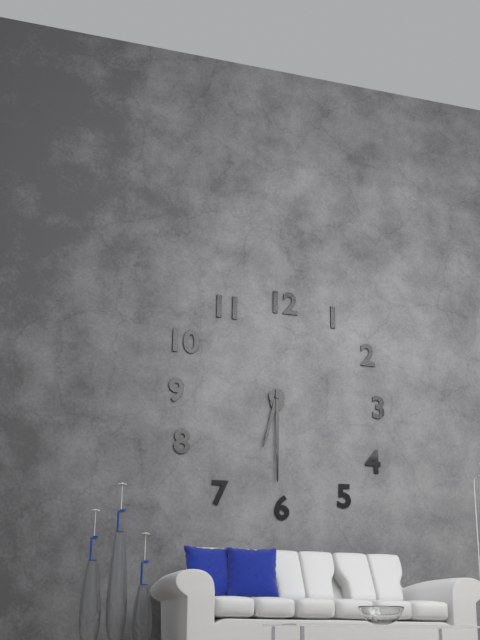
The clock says {"hour": 6, "minute": 30}
